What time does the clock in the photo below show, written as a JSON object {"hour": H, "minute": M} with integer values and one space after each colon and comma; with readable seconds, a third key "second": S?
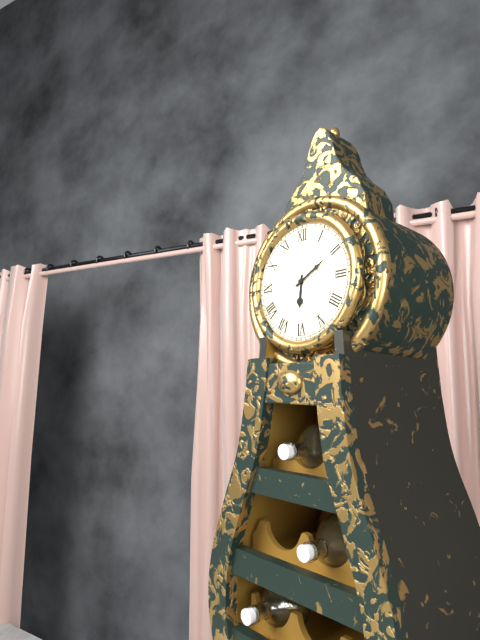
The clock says {"hour": 6, "minute": 10}
